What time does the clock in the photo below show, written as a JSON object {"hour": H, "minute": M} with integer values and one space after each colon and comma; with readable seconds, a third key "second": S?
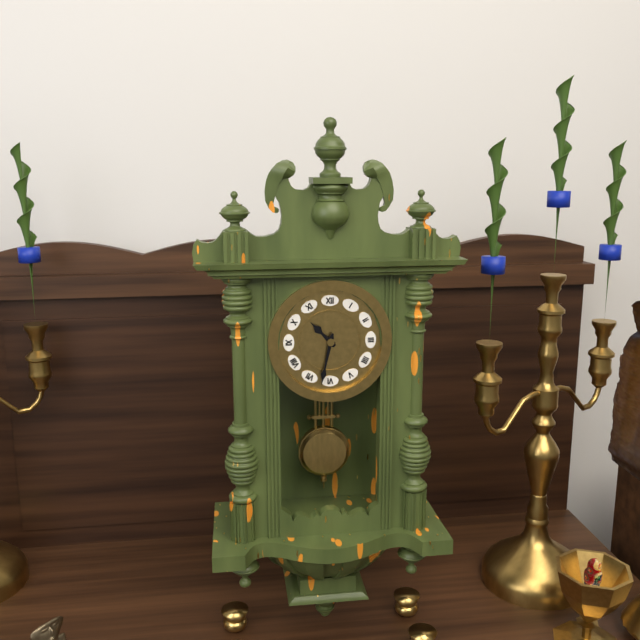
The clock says {"hour": 10, "minute": 32}
